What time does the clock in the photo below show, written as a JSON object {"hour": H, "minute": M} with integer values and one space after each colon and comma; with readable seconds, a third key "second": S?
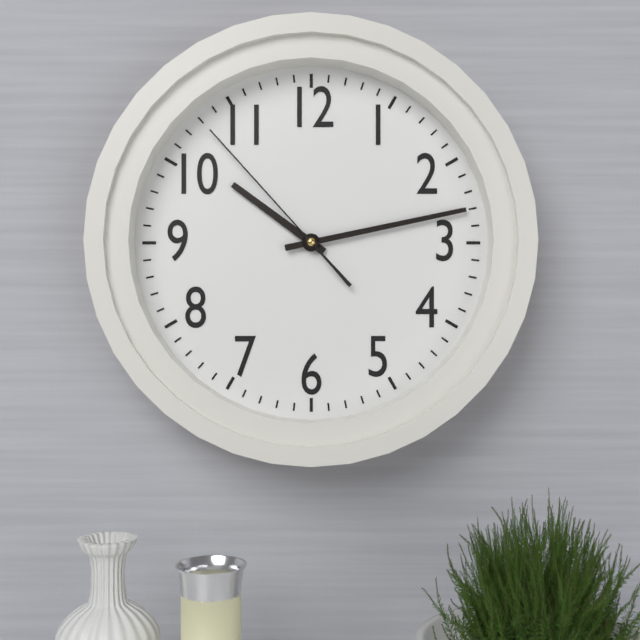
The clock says {"hour": 10, "minute": 13, "second": 53}
